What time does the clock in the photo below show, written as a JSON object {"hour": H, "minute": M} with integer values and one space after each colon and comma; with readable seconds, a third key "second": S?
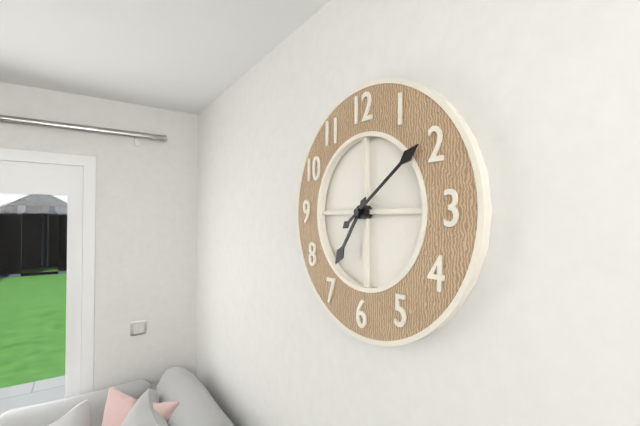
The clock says {"hour": 7, "minute": 9}
